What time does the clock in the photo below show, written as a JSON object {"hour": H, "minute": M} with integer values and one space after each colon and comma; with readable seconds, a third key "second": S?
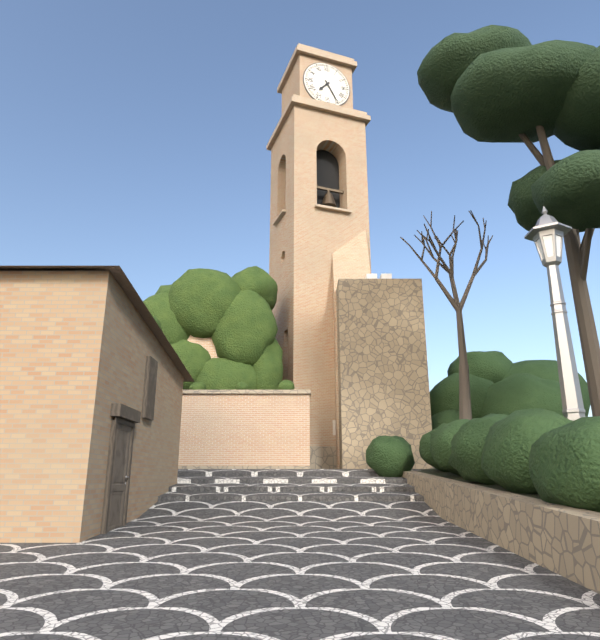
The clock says {"hour": 7, "minute": 25}
